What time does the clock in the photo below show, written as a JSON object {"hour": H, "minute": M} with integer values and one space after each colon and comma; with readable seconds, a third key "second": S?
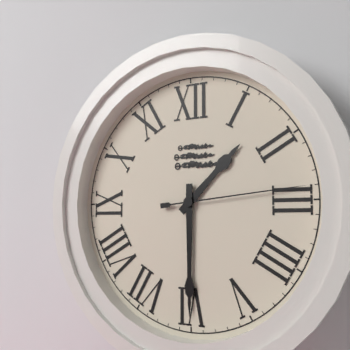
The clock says {"hour": 1, "minute": 30, "second": 14}
